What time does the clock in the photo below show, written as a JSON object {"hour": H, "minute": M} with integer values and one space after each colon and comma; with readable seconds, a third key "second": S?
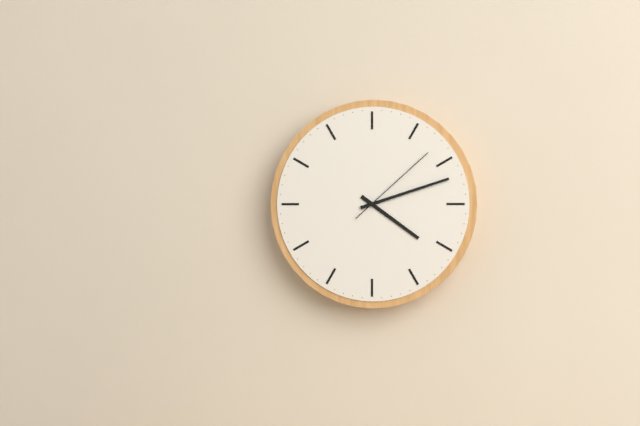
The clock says {"hour": 4, "minute": 12, "second": 8}
